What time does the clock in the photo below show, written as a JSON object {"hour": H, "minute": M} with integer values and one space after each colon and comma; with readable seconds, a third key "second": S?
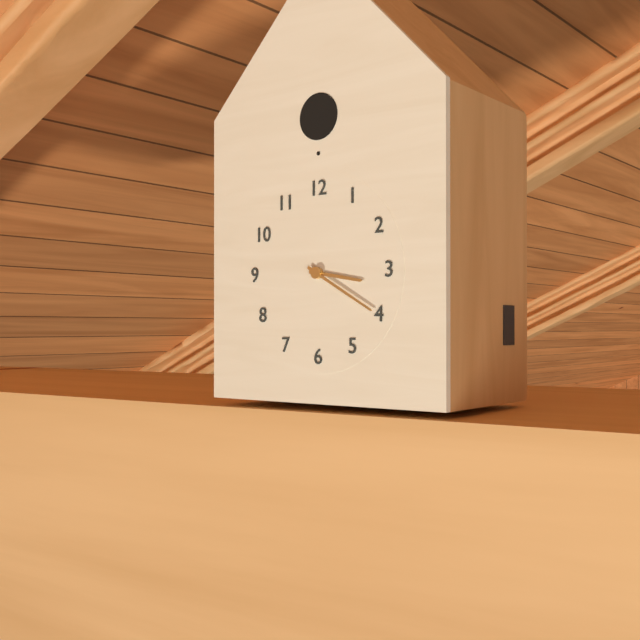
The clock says {"hour": 3, "minute": 20}
